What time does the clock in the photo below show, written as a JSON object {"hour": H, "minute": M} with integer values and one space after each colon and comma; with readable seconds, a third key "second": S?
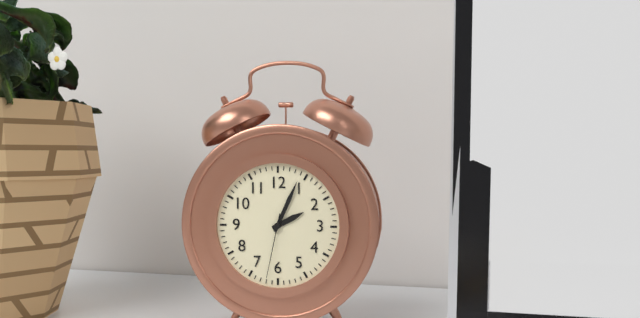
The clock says {"hour": 2, "minute": 4, "second": 32}
